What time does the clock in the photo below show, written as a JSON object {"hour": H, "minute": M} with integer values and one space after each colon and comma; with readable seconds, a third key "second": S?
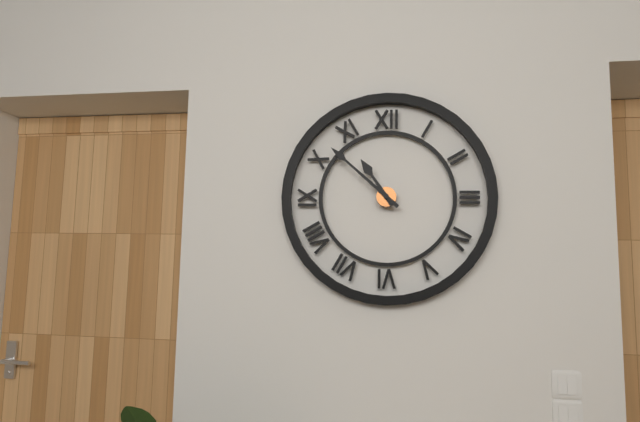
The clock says {"hour": 10, "minute": 52}
